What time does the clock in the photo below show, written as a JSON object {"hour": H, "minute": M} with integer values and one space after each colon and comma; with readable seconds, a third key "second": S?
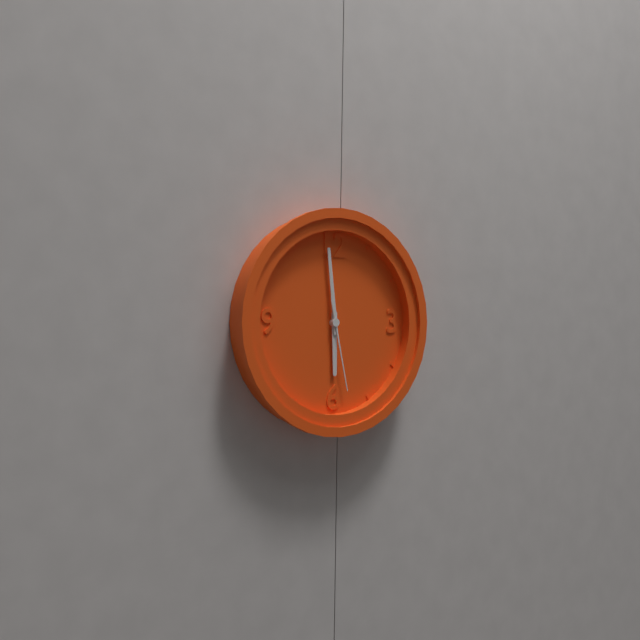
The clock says {"hour": 5, "minute": 59, "second": 28}
